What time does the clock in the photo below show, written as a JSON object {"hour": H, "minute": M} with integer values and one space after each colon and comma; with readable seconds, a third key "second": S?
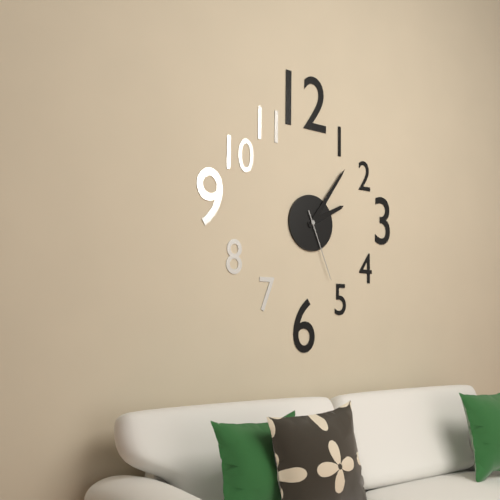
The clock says {"hour": 2, "minute": 6, "second": 26}
